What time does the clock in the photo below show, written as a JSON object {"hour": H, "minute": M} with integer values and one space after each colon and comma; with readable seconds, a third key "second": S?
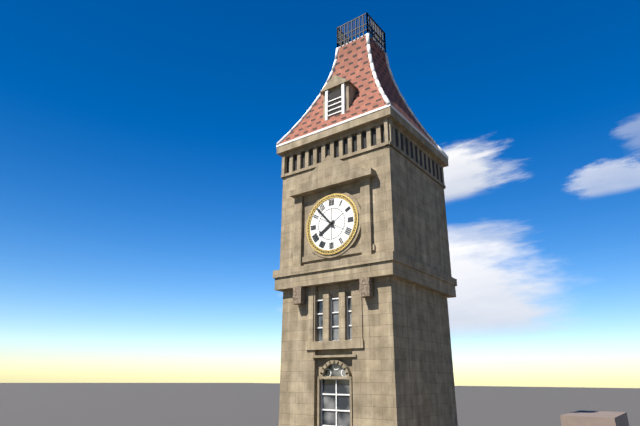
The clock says {"hour": 7, "minute": 53}
